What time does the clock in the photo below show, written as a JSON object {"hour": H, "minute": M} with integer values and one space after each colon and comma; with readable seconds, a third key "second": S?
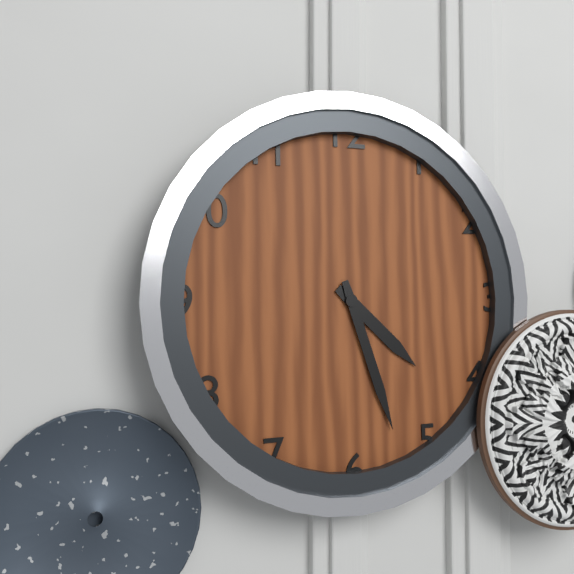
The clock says {"hour": 4, "minute": 27}
